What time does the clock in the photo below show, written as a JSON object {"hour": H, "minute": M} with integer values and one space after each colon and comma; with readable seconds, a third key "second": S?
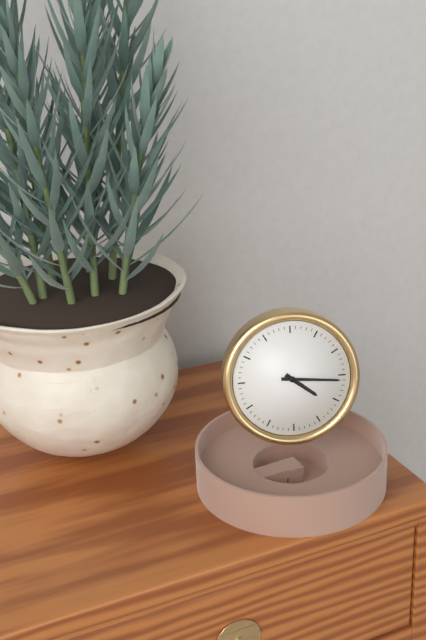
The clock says {"hour": 4, "minute": 16}
